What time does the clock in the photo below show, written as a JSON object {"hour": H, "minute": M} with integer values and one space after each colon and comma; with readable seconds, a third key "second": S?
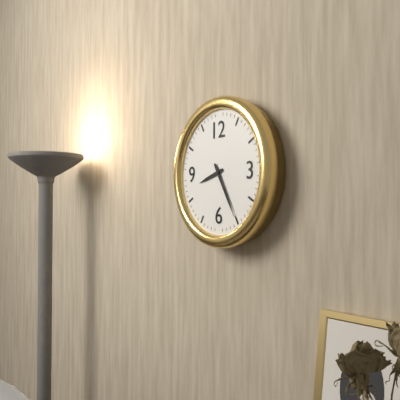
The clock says {"hour": 8, "minute": 25}
